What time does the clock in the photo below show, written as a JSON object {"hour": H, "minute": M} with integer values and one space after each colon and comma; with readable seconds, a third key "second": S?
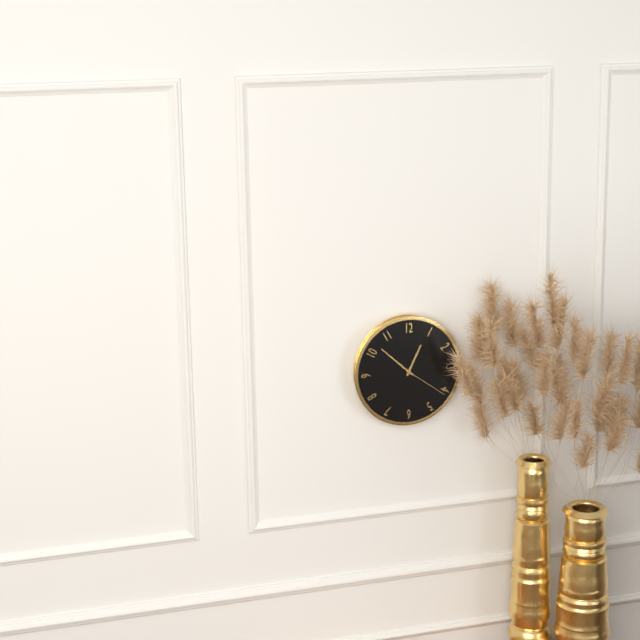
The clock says {"hour": 12, "minute": 52, "second": 21}
